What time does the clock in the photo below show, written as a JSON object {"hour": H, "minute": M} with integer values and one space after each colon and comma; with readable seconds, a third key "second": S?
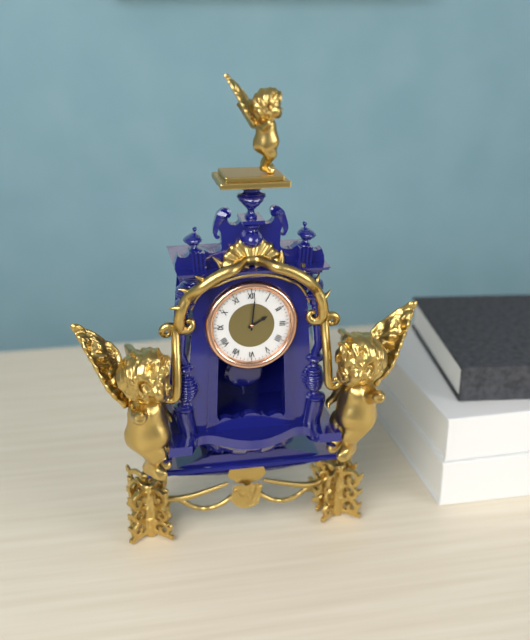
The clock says {"hour": 2, "minute": 1}
